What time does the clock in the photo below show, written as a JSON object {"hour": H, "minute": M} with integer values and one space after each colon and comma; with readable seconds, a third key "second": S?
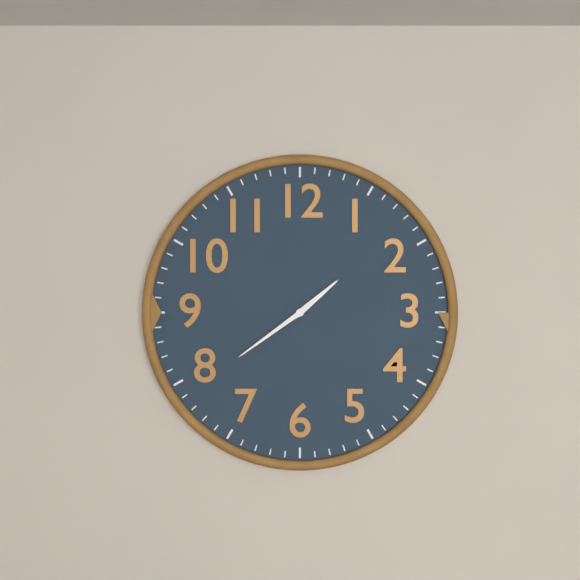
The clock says {"hour": 1, "minute": 39}
